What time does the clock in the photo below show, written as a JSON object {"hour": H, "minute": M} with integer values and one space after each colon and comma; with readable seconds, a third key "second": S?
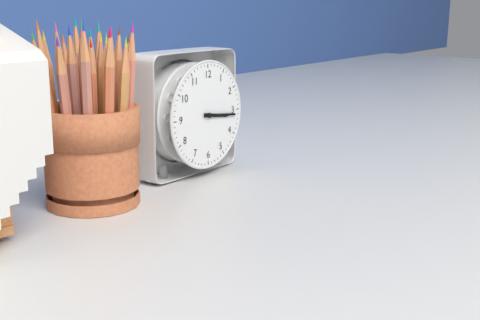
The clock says {"hour": 3, "minute": 16}
